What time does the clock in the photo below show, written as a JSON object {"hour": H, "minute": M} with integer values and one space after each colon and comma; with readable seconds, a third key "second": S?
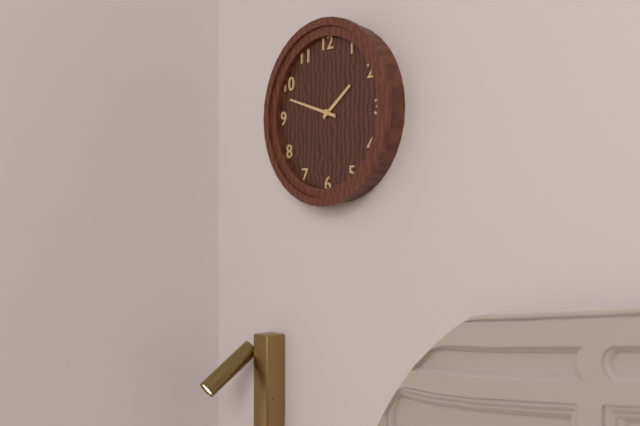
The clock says {"hour": 1, "minute": 48}
